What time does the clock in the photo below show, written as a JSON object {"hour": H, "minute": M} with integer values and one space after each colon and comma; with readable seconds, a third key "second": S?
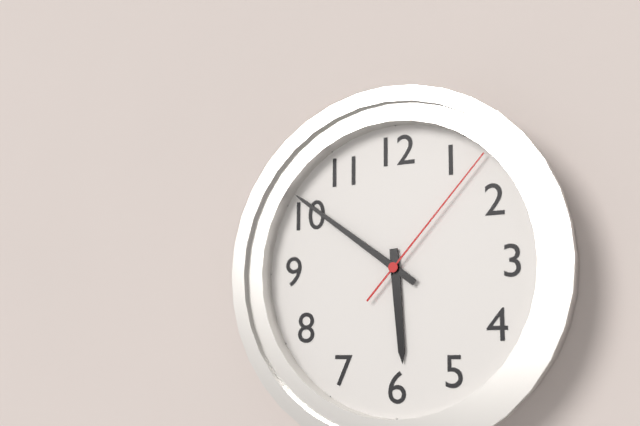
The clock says {"hour": 5, "minute": 51, "second": 7}
